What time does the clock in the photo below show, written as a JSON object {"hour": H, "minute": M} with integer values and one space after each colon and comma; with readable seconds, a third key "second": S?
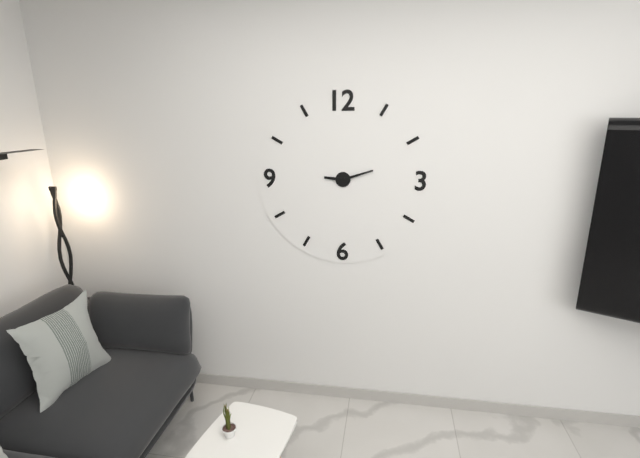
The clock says {"hour": 9, "minute": 12}
